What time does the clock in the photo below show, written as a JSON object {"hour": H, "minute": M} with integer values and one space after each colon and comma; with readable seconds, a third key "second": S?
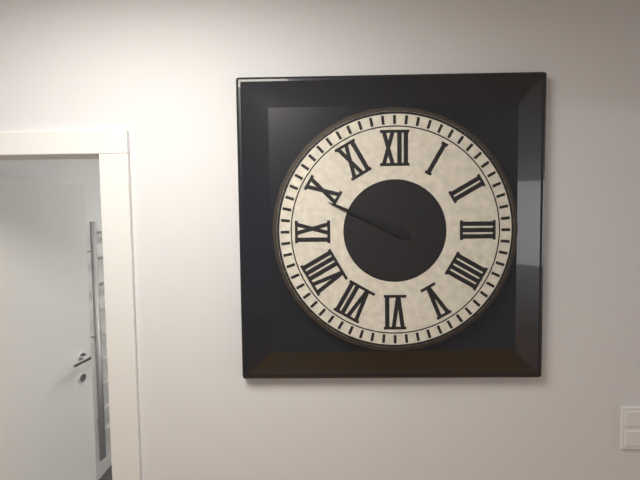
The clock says {"hour": 9, "minute": 49}
